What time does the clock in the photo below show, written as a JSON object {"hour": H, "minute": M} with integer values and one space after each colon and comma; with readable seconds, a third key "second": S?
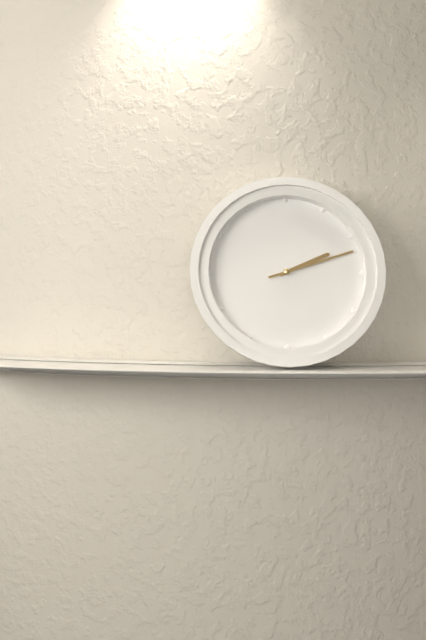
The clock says {"hour": 2, "minute": 12}
